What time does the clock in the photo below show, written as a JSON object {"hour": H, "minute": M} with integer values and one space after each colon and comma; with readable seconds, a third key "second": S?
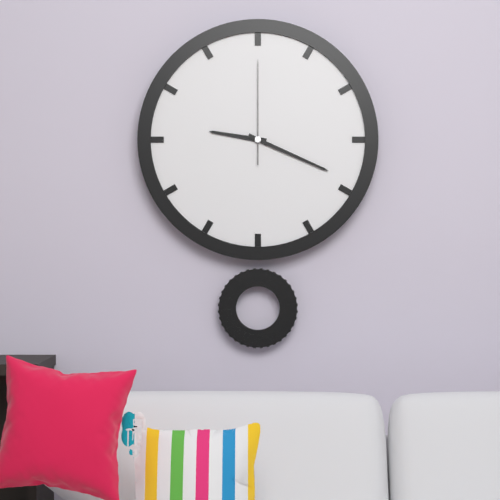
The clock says {"hour": 9, "minute": 19, "second": 0}
